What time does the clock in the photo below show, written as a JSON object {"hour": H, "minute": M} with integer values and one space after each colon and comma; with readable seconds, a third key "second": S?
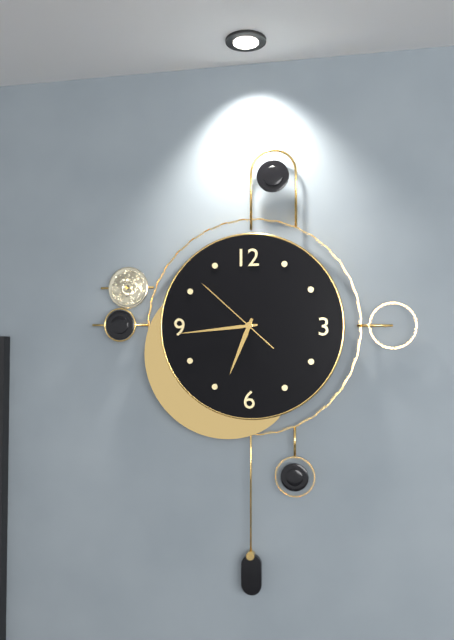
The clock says {"hour": 6, "minute": 44, "second": 52}
